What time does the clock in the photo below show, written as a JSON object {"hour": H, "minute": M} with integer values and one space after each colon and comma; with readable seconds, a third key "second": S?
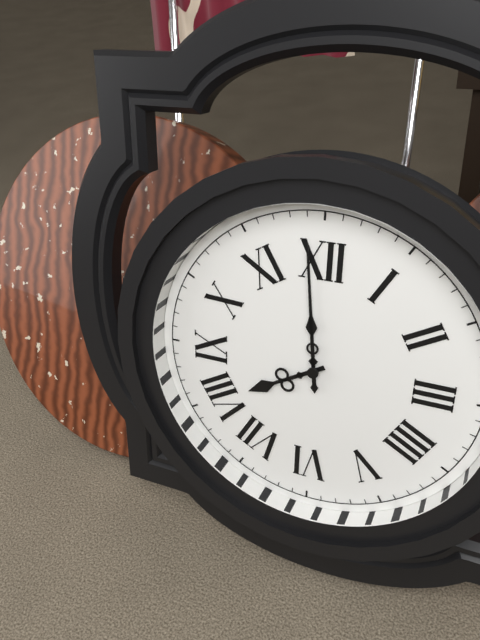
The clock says {"hour": 7, "minute": 59}
